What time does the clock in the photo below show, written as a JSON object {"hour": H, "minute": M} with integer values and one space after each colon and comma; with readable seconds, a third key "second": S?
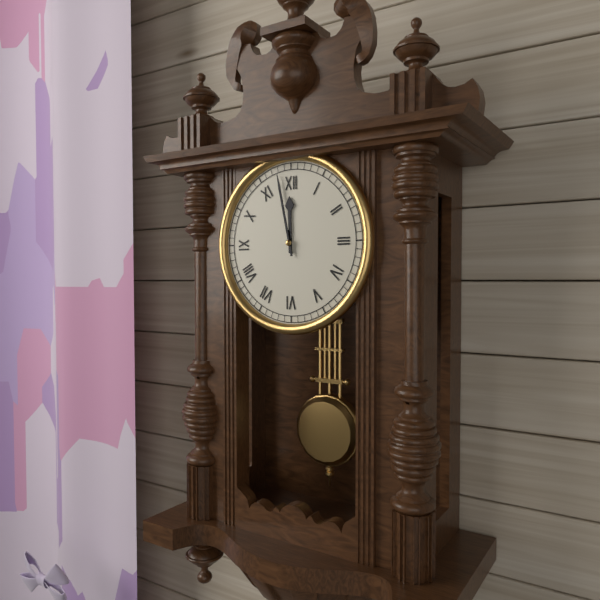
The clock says {"hour": 11, "minute": 58}
